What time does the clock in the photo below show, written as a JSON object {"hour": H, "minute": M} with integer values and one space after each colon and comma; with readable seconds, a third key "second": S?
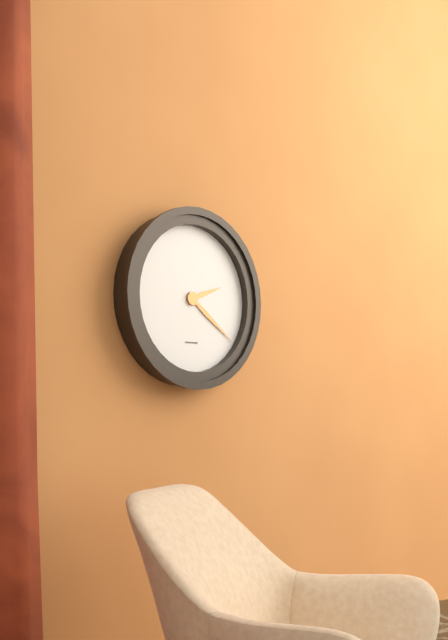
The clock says {"hour": 2, "minute": 21}
